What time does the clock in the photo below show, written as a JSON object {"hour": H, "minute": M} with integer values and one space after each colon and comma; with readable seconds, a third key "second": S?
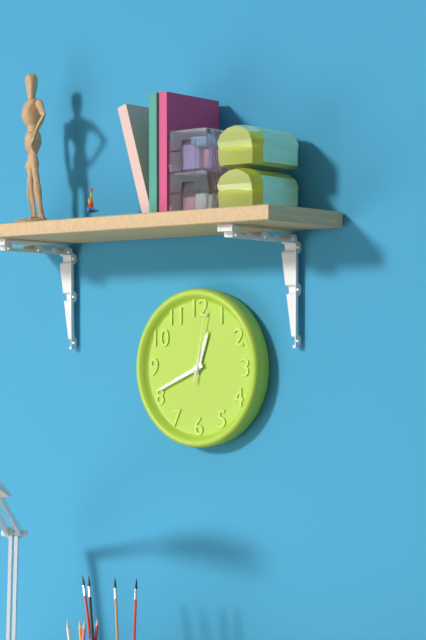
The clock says {"hour": 12, "minute": 41, "second": 2}
